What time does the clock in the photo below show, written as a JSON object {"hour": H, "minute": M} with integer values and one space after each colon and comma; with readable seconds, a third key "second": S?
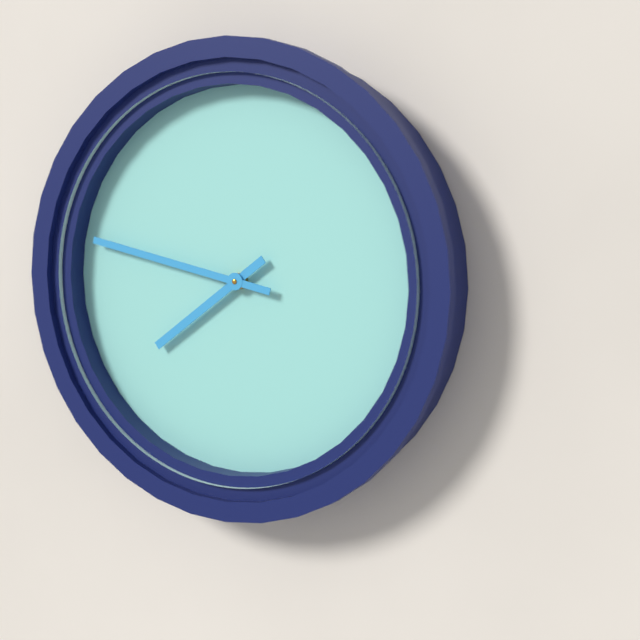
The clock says {"hour": 7, "minute": 47}
